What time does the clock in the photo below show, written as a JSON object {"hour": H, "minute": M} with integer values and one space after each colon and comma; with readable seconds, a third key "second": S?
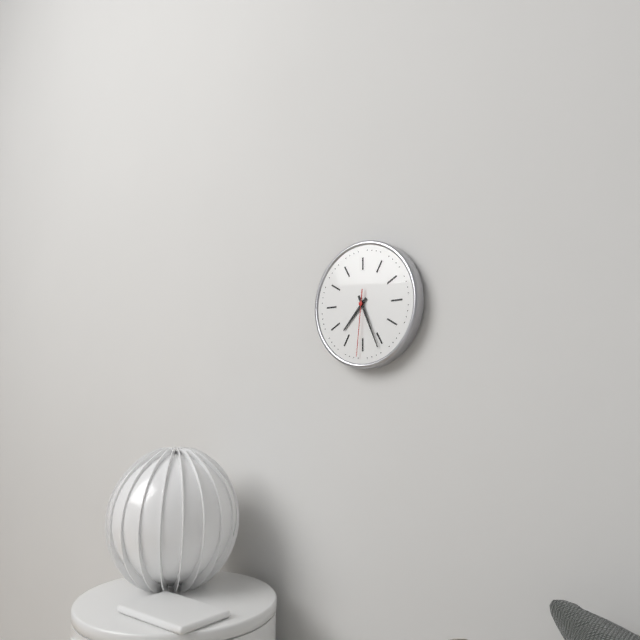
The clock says {"hour": 7, "minute": 26, "second": 31}
